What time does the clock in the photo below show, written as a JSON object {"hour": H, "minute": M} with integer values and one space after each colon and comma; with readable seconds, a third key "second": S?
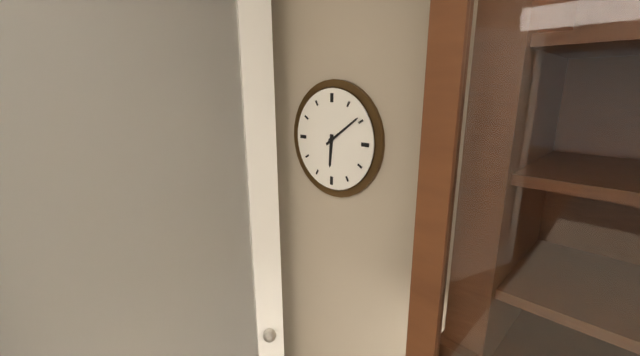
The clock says {"hour": 6, "minute": 9}
